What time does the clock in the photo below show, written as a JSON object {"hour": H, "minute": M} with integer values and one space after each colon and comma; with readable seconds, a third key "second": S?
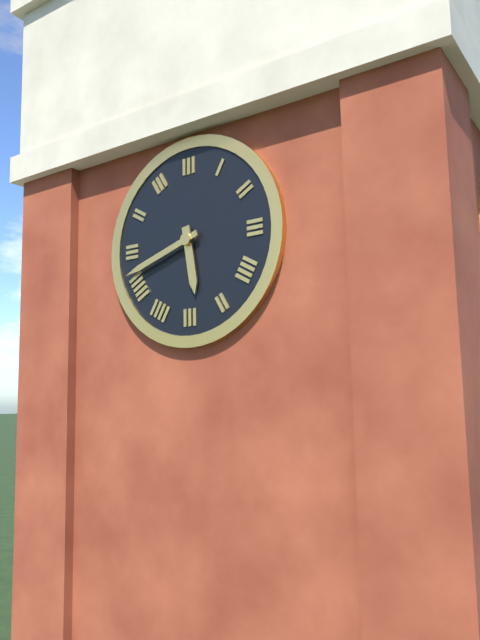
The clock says {"hour": 5, "minute": 42}
